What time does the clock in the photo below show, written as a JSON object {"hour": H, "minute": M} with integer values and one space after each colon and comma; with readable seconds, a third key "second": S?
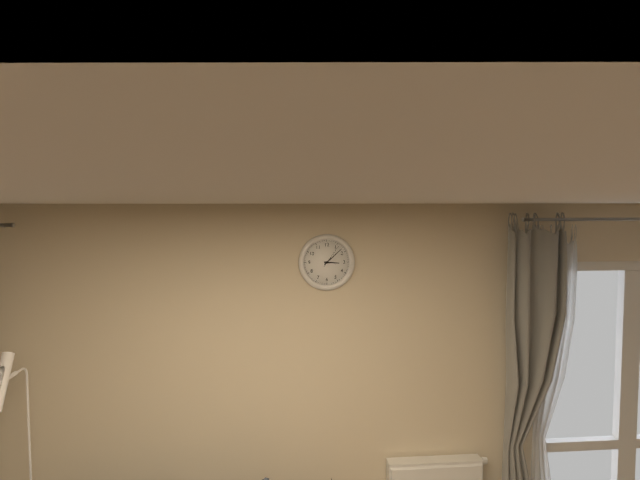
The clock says {"hour": 3, "minute": 8}
